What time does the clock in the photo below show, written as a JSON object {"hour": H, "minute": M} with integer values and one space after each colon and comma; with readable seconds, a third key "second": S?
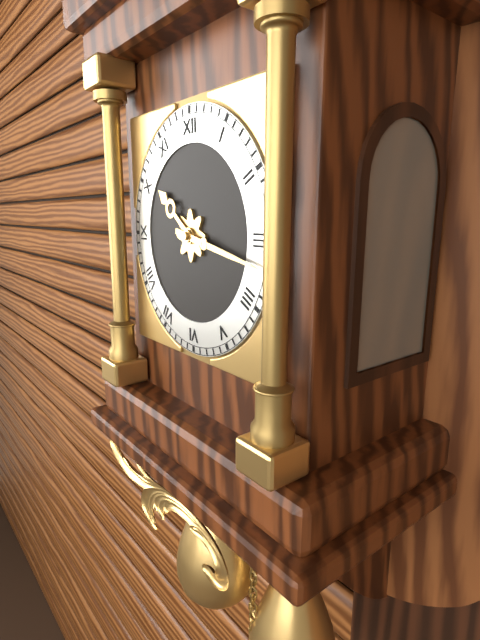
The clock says {"hour": 10, "minute": 17}
